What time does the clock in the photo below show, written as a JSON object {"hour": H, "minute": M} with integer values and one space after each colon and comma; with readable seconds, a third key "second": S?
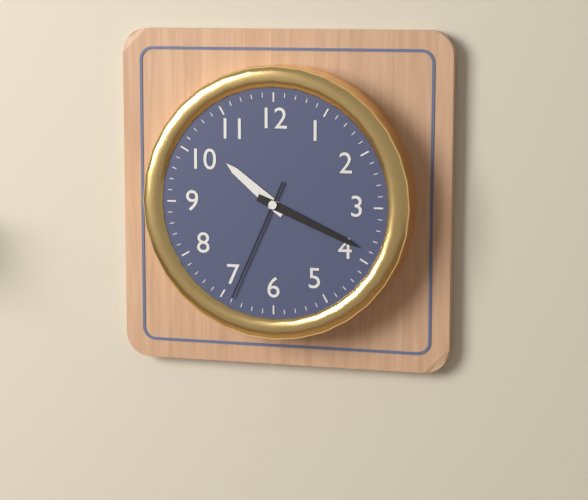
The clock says {"hour": 10, "minute": 19, "second": 34}
